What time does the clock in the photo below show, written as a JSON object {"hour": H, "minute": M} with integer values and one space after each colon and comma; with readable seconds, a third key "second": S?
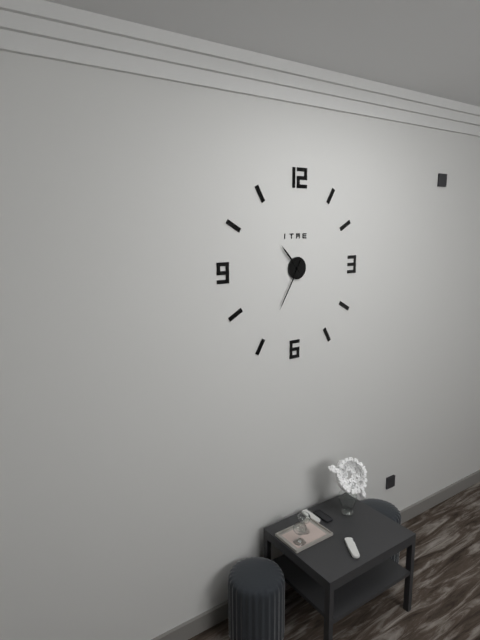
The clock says {"hour": 10, "minute": 35}
